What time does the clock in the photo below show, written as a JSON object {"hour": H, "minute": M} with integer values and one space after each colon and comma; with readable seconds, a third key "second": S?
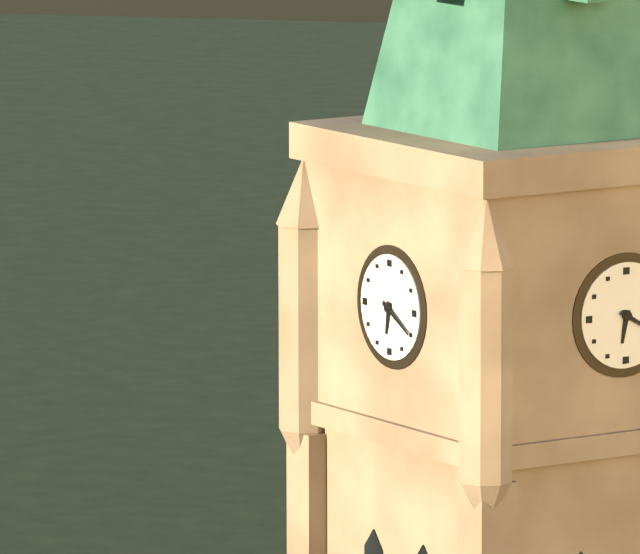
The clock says {"hour": 6, "minute": 20}
